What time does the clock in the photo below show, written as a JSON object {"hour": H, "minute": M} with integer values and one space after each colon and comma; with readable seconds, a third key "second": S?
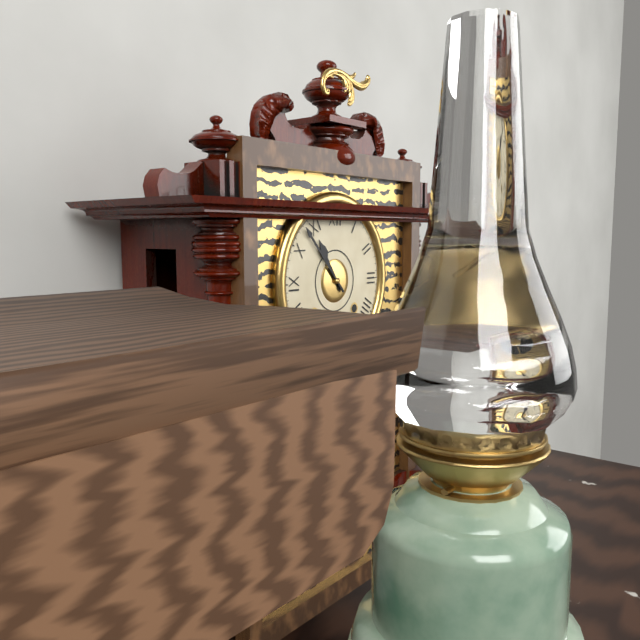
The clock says {"hour": 10, "minute": 53}
